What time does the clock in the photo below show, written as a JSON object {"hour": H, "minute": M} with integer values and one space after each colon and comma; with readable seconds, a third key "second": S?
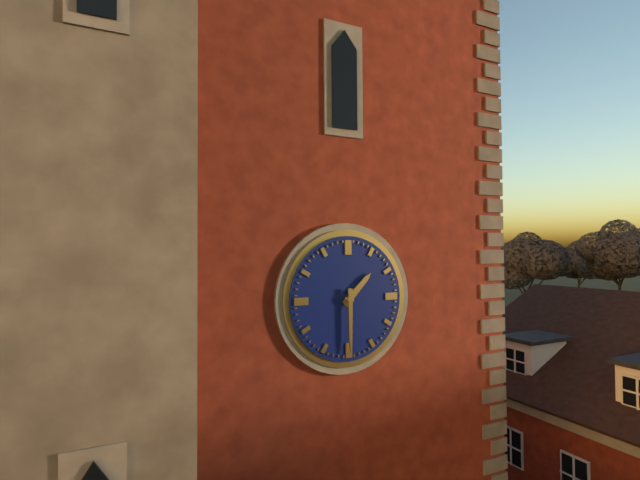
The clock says {"hour": 1, "minute": 30}
